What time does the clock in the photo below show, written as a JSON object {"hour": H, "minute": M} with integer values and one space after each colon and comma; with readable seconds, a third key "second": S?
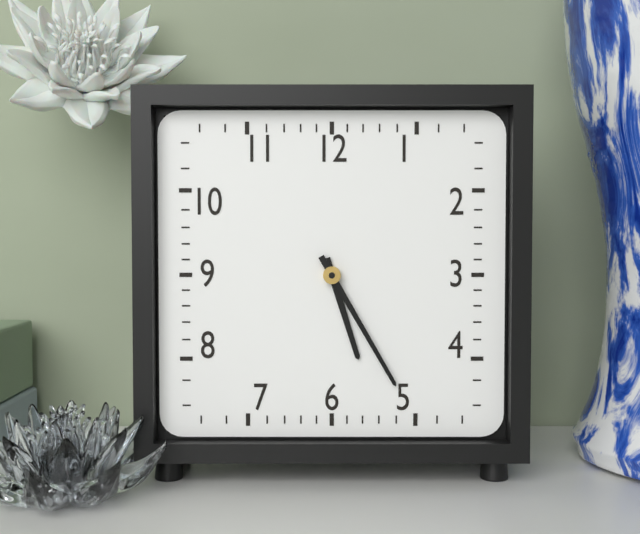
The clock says {"hour": 5, "minute": 25}
